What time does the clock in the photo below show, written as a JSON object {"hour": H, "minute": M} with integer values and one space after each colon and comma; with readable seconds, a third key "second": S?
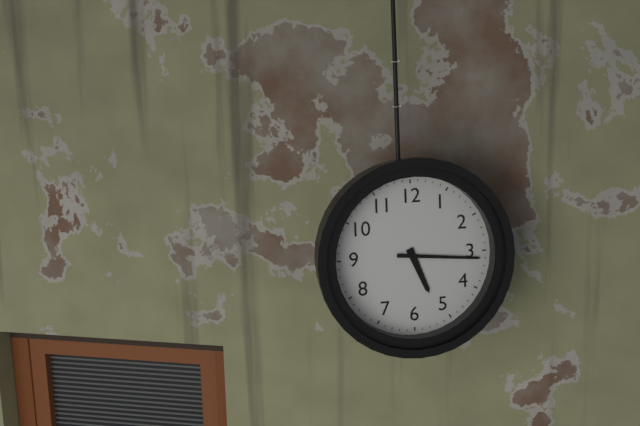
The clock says {"hour": 5, "minute": 16}
